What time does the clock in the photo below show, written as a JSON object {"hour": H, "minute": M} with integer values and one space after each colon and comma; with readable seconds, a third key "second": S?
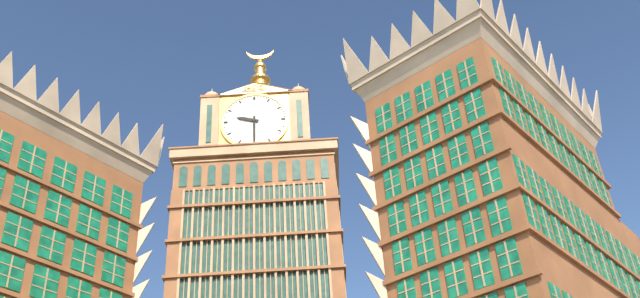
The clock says {"hour": 9, "minute": 30}
